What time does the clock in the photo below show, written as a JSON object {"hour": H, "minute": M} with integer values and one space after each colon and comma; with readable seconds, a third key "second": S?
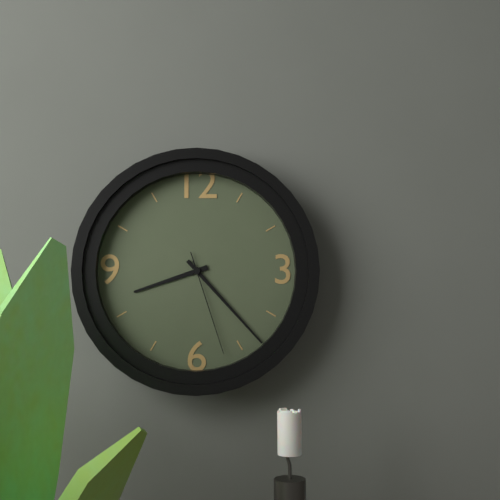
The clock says {"hour": 8, "minute": 23, "second": 27}
